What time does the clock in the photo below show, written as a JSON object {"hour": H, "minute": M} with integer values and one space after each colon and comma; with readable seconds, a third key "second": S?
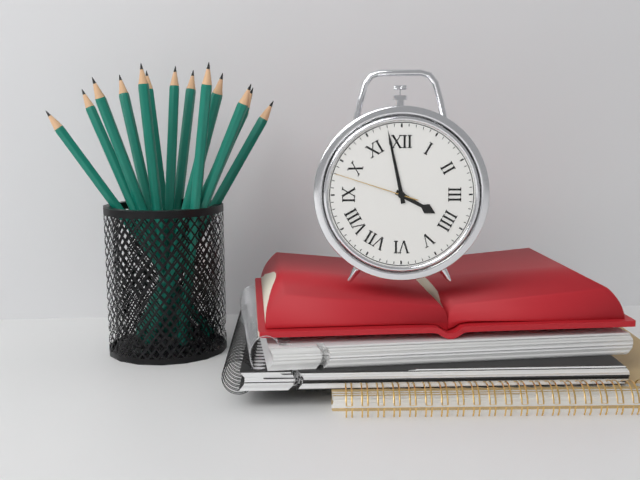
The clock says {"hour": 3, "minute": 58, "second": 48}
